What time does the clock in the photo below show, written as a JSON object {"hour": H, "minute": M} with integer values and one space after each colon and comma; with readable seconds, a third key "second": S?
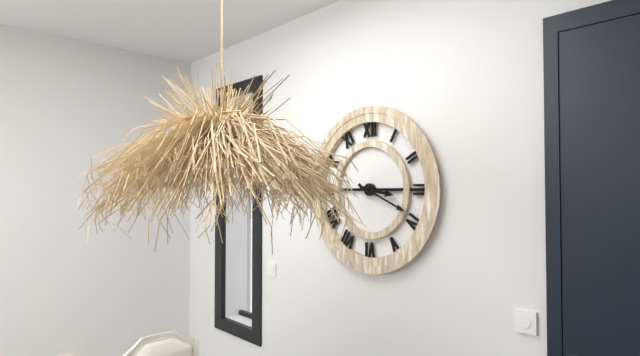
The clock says {"hour": 3, "minute": 19}
